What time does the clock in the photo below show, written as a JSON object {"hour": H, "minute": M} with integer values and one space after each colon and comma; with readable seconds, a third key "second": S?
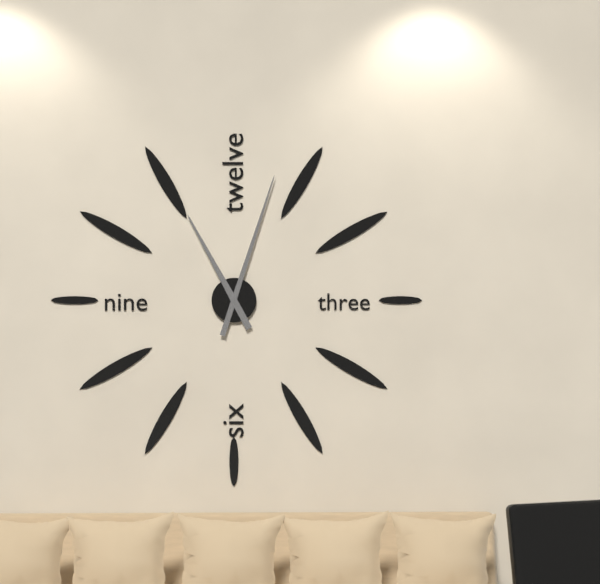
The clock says {"hour": 11, "minute": 3}
